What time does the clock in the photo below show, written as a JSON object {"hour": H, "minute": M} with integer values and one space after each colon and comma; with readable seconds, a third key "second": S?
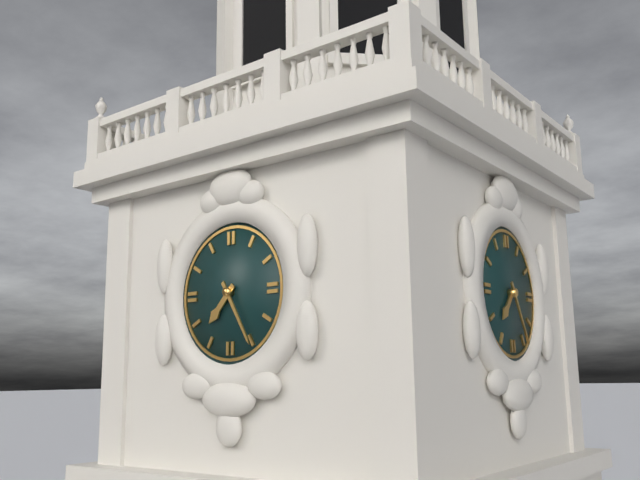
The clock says {"hour": 7, "minute": 25}
